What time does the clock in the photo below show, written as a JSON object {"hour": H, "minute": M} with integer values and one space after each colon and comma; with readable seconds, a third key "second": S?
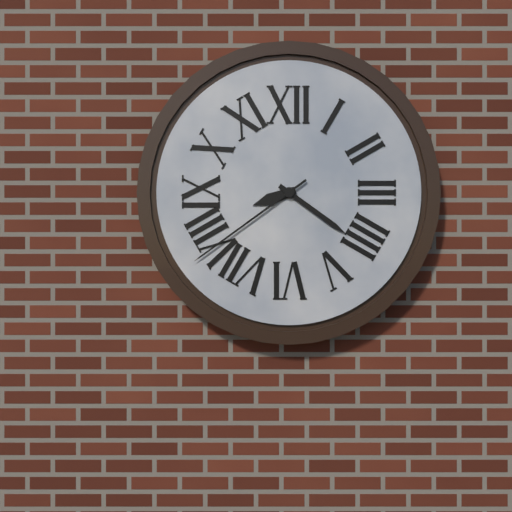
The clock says {"hour": 8, "minute": 21, "second": 39}
